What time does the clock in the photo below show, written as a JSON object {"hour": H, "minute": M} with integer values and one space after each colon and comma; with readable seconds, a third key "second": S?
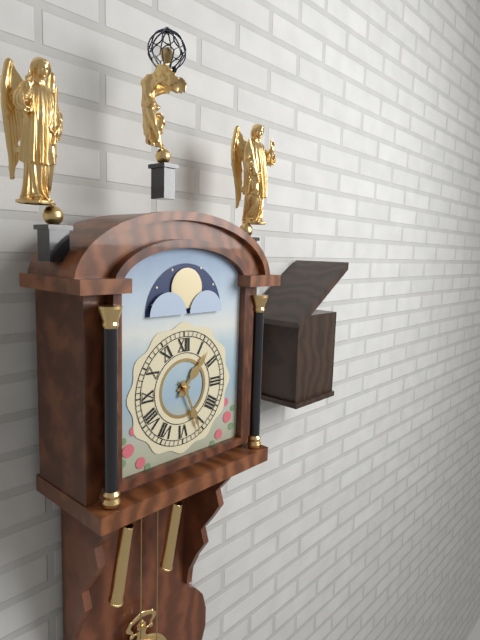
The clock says {"hour": 1, "minute": 26}
